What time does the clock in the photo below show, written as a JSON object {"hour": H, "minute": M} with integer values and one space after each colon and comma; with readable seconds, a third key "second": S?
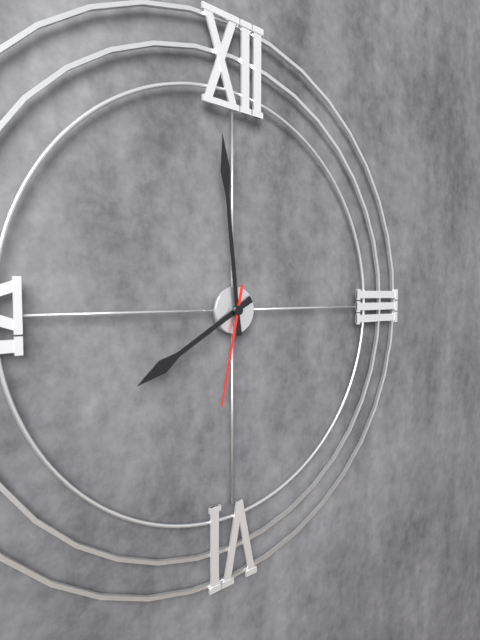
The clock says {"hour": 7, "minute": 59, "second": 32}
